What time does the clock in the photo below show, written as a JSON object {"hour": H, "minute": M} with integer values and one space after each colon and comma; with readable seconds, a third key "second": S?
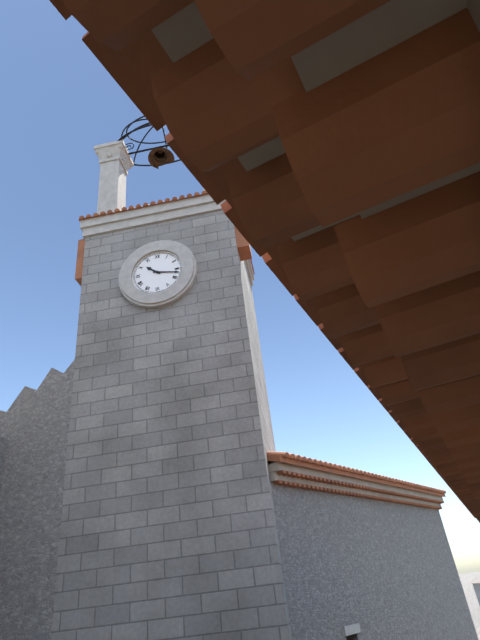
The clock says {"hour": 10, "minute": 17}
